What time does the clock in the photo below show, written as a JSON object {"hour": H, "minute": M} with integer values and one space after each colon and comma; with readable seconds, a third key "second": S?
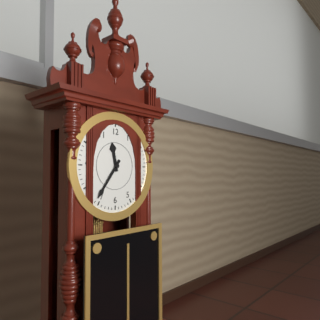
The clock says {"hour": 11, "minute": 36}
